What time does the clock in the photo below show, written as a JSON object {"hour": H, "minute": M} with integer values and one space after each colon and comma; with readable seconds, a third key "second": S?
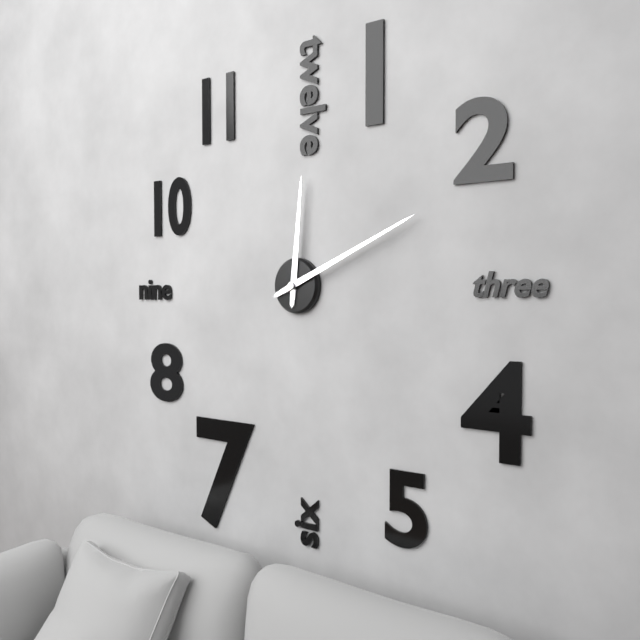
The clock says {"hour": 12, "minute": 11}
